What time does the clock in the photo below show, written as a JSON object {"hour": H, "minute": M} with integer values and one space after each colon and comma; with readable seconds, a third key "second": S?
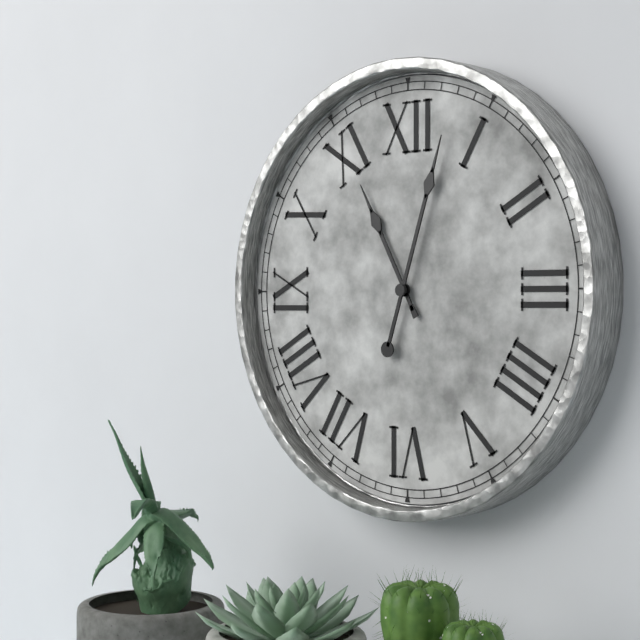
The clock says {"hour": 11, "minute": 3}
